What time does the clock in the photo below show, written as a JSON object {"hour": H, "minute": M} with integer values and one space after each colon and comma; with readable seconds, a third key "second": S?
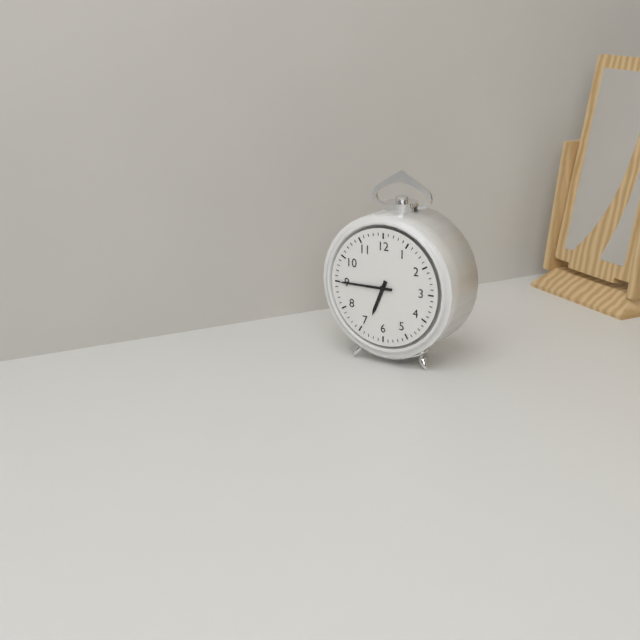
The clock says {"hour": 6, "minute": 45}
